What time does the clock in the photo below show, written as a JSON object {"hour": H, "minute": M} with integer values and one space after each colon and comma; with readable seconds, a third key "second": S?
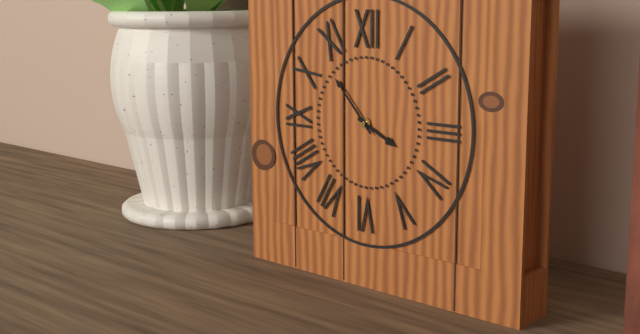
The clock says {"hour": 3, "minute": 53}
